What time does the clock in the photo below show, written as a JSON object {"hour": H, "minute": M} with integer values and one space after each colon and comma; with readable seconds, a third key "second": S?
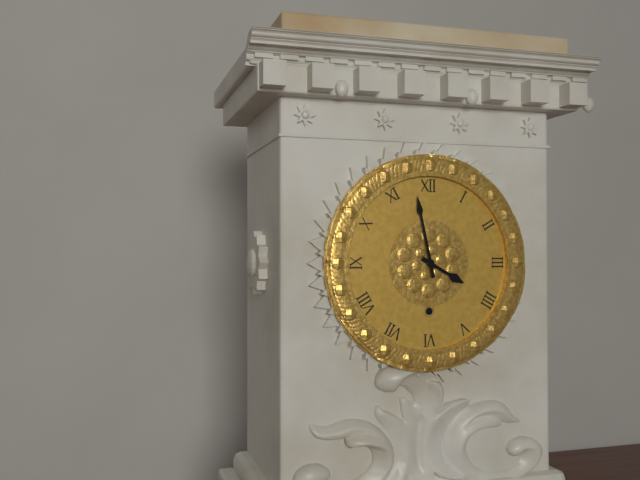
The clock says {"hour": 3, "minute": 58}
